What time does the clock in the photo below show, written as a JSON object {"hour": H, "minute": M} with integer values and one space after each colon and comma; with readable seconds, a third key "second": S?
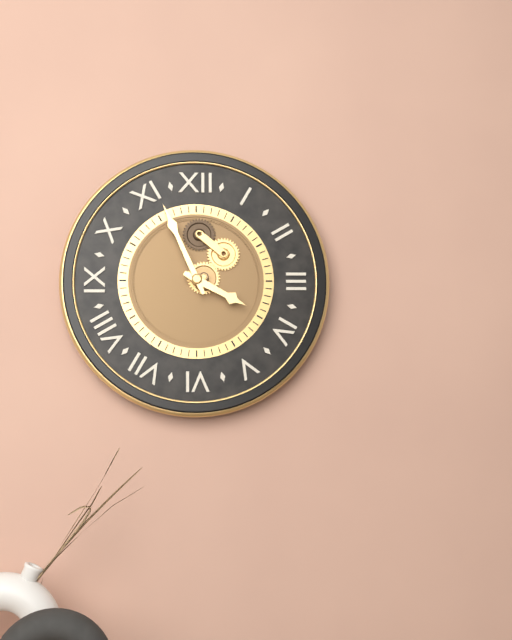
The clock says {"hour": 3, "minute": 56}
